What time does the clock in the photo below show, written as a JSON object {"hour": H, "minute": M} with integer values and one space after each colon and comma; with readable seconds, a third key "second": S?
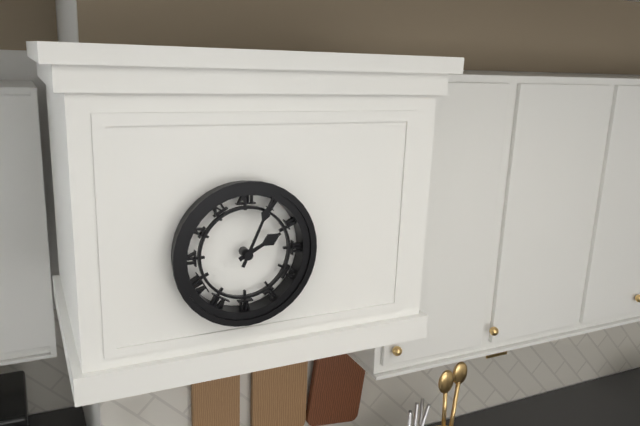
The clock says {"hour": 2, "minute": 4}
